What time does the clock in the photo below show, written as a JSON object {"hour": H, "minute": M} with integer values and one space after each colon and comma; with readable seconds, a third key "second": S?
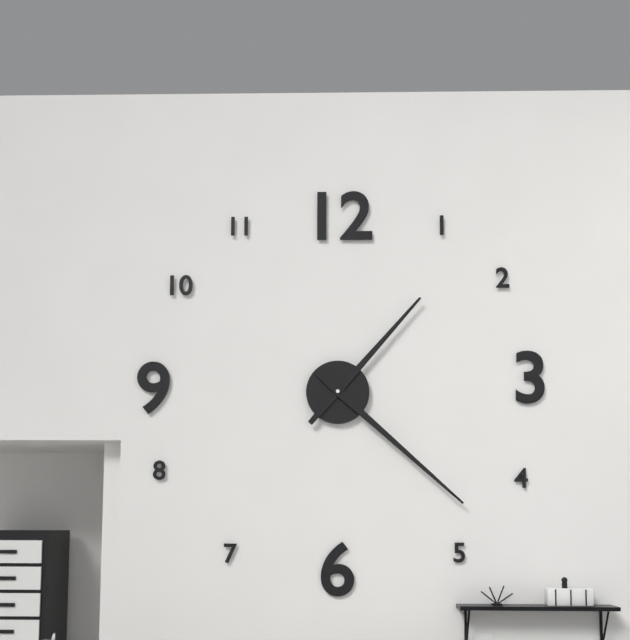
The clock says {"hour": 1, "minute": 22}
